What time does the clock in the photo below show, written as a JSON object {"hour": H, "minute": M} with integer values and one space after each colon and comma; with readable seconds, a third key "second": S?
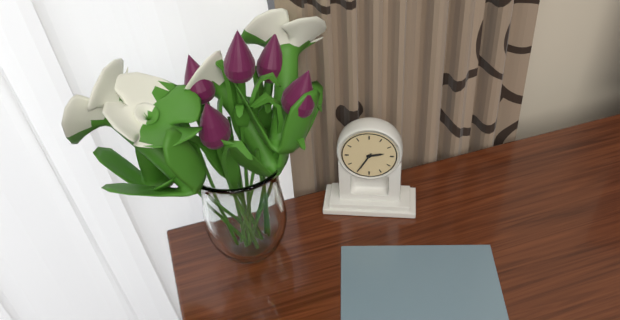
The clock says {"hour": 2, "minute": 35}
